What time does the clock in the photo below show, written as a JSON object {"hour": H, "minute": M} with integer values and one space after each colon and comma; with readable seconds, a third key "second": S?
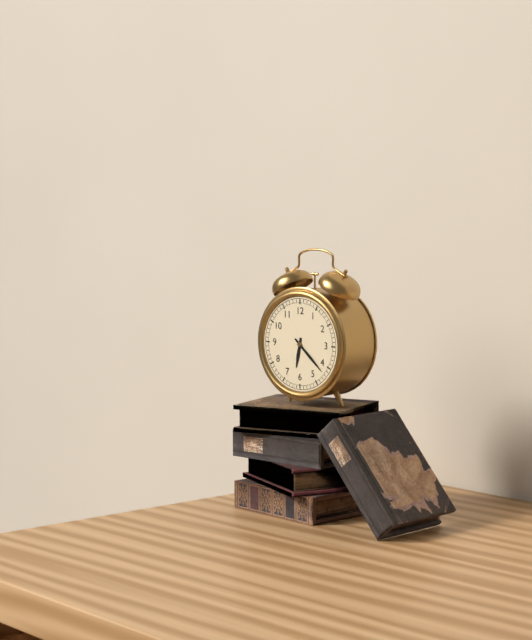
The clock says {"hour": 6, "minute": 22}
